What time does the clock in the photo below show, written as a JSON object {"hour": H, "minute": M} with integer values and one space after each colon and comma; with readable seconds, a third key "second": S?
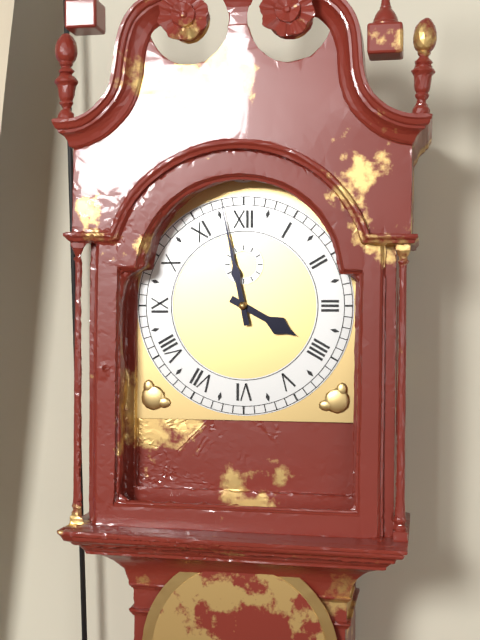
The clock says {"hour": 3, "minute": 58}
